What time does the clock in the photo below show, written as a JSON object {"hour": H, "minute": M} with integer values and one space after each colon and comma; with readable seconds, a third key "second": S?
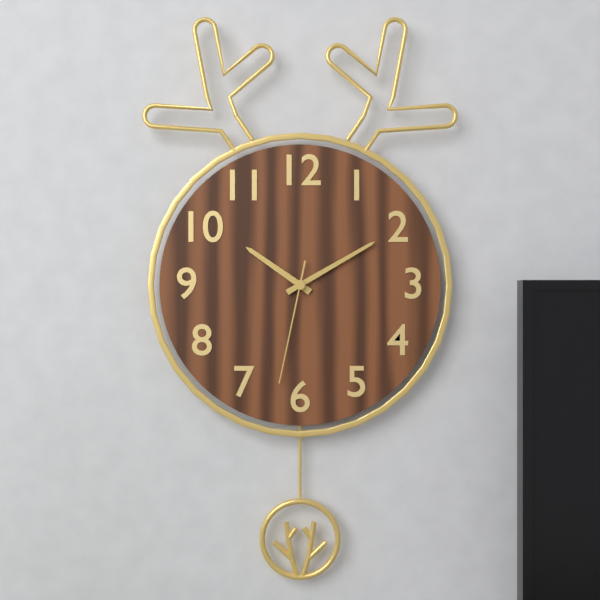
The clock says {"hour": 10, "minute": 10, "second": 32}
